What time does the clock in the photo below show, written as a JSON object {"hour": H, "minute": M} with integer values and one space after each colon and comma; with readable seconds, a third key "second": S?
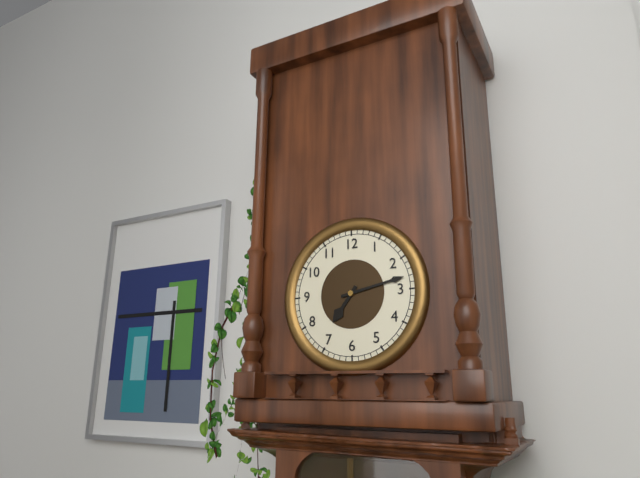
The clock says {"hour": 7, "minute": 13}
